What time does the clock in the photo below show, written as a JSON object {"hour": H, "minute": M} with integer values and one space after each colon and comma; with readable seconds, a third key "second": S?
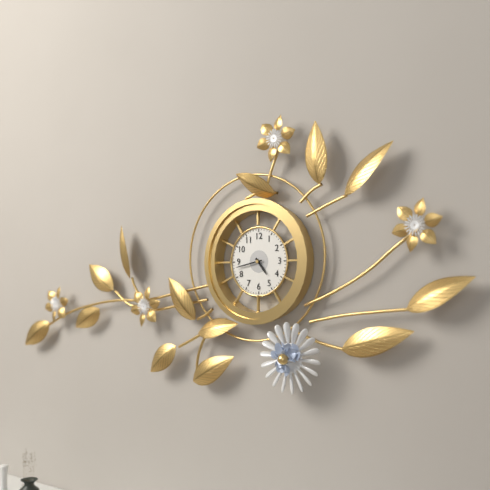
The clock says {"hour": 4, "minute": 43}
